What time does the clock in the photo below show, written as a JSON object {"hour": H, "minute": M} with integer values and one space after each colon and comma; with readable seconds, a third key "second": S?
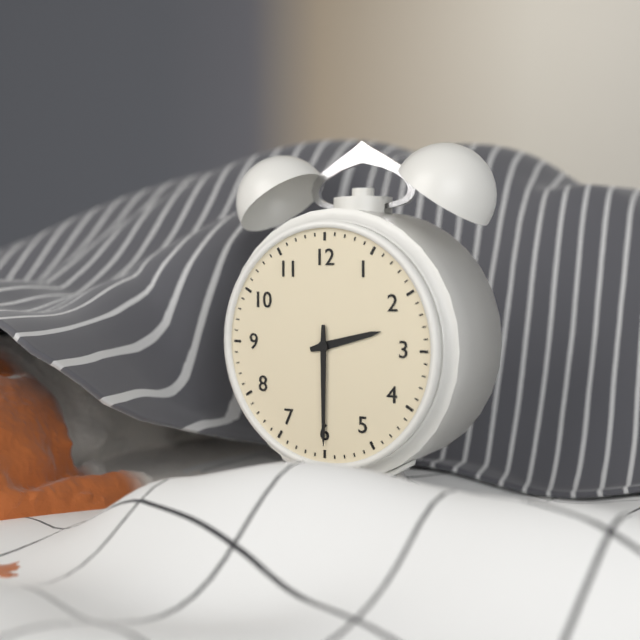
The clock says {"hour": 2, "minute": 30}
